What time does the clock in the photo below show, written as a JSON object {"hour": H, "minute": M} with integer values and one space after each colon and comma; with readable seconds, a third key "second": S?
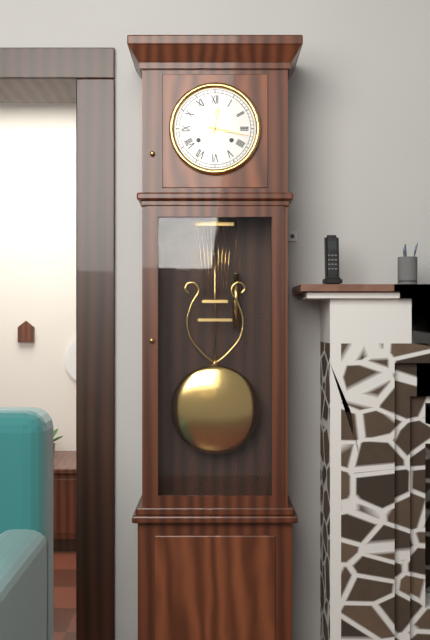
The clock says {"hour": 12, "minute": 17}
